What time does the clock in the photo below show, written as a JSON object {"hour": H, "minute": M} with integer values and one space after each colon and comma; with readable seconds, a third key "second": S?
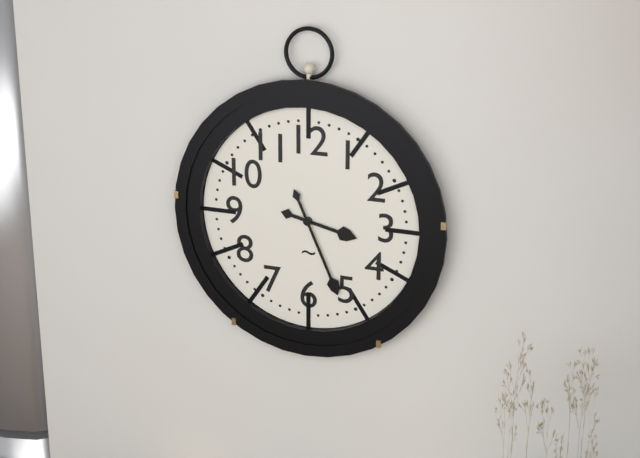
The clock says {"hour": 3, "minute": 26}
